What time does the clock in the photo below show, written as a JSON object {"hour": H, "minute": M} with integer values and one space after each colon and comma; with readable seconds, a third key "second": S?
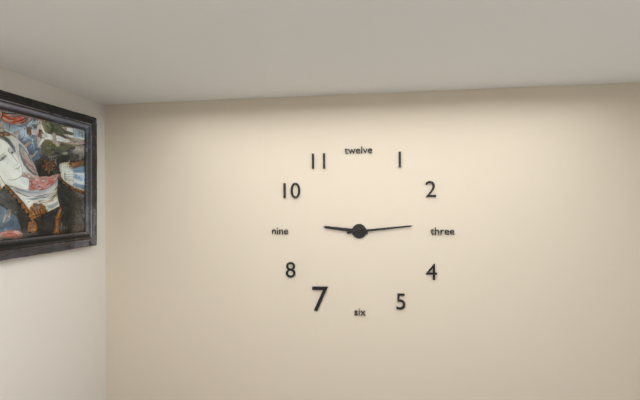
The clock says {"hour": 9, "minute": 14}
